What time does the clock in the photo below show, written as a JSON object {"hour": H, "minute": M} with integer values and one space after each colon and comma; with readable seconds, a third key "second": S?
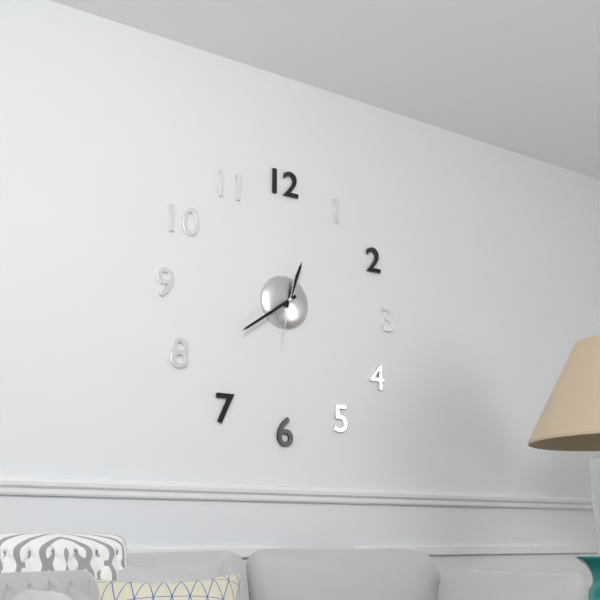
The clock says {"hour": 12, "minute": 39, "second": 32}
